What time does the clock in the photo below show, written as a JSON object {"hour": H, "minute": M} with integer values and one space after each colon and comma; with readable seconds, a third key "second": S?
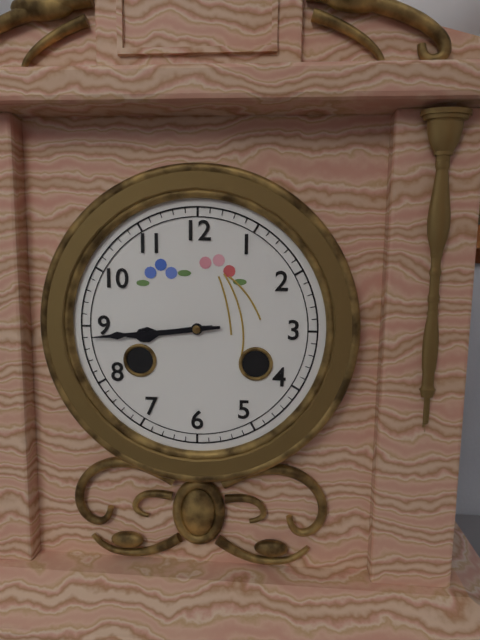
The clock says {"hour": 8, "minute": 44}
